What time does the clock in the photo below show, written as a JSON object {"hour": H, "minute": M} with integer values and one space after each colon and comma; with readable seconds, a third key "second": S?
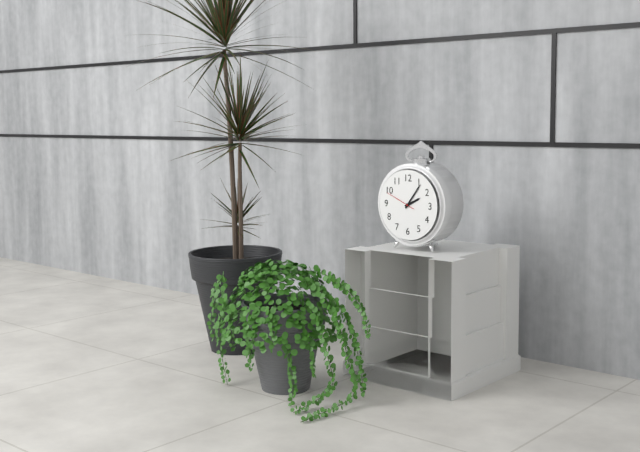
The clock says {"hour": 2, "minute": 6}
